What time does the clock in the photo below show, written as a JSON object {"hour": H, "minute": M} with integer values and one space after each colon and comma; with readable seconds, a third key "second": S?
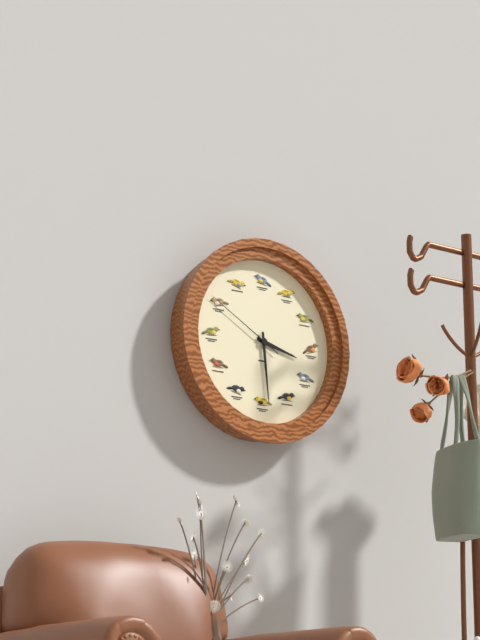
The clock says {"hour": 3, "minute": 29, "second": 50}
